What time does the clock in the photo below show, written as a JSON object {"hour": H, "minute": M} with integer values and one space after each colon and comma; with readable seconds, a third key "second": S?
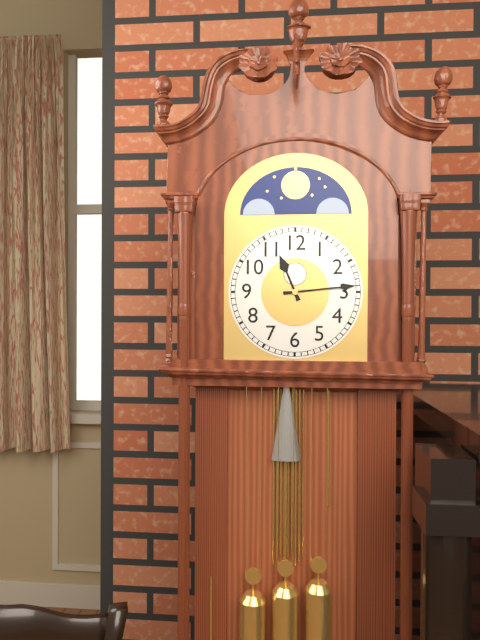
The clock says {"hour": 11, "minute": 14}
